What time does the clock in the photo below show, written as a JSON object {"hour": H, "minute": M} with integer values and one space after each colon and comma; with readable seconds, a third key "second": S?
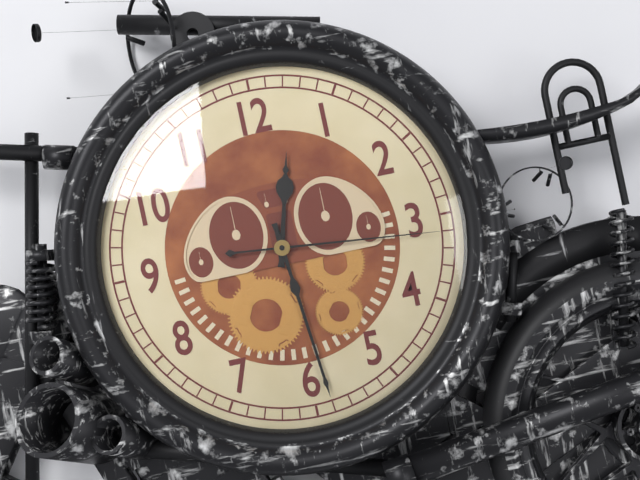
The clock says {"hour": 12, "minute": 29, "second": 16}
